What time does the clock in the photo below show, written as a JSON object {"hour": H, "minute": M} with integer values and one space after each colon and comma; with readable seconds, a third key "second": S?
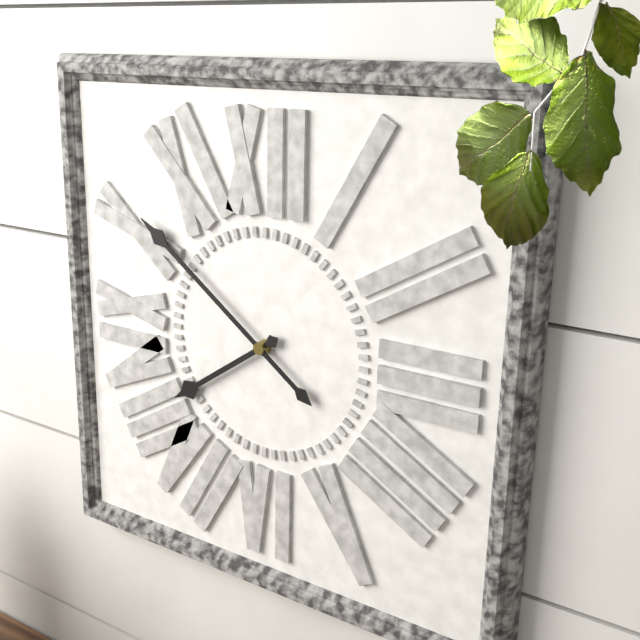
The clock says {"hour": 7, "minute": 51}
